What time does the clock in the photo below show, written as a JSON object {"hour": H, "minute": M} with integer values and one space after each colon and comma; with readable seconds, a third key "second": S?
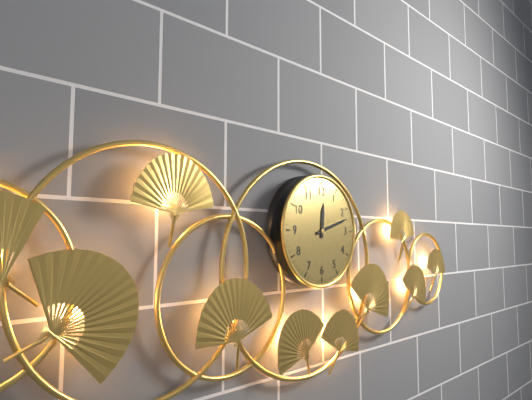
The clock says {"hour": 12, "minute": 12}
